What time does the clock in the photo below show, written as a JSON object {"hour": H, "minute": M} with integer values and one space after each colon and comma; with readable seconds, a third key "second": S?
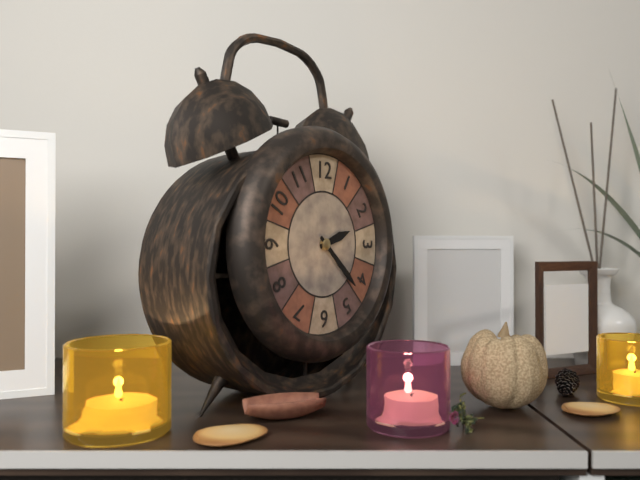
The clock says {"hour": 2, "minute": 22}
